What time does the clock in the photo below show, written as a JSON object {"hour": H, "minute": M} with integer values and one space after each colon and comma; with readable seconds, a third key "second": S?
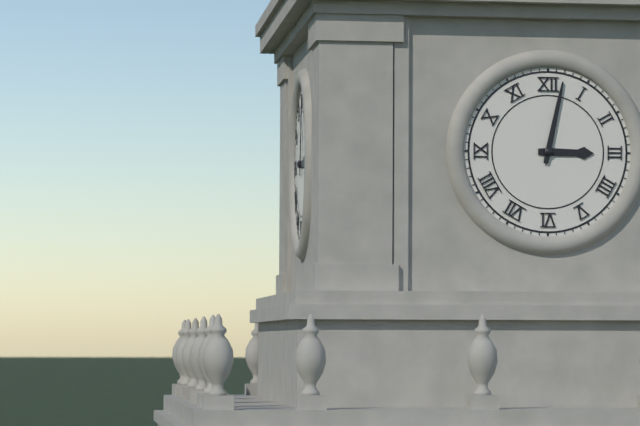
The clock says {"hour": 3, "minute": 2}
